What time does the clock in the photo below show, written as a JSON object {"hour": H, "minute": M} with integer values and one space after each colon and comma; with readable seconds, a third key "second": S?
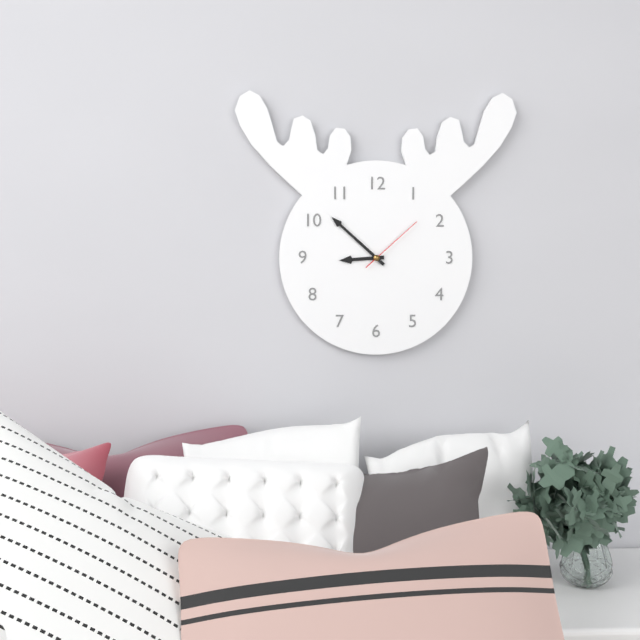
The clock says {"hour": 8, "minute": 52, "second": 8}
